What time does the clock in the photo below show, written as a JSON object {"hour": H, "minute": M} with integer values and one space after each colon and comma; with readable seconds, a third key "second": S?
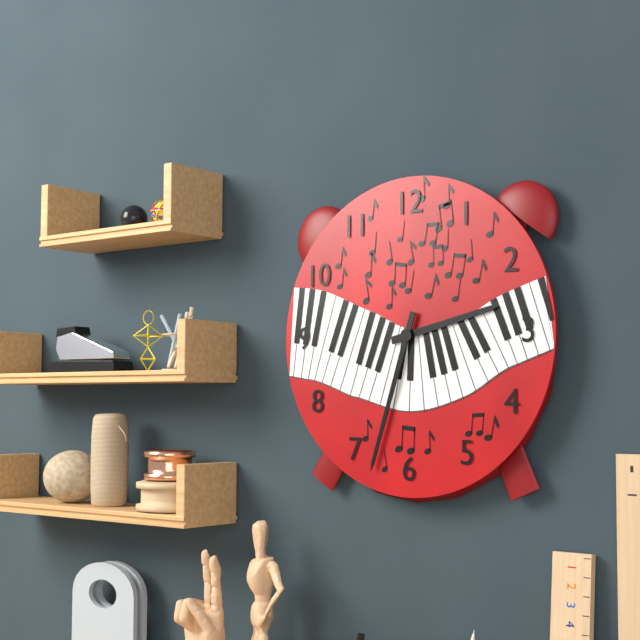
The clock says {"hour": 2, "minute": 33}
